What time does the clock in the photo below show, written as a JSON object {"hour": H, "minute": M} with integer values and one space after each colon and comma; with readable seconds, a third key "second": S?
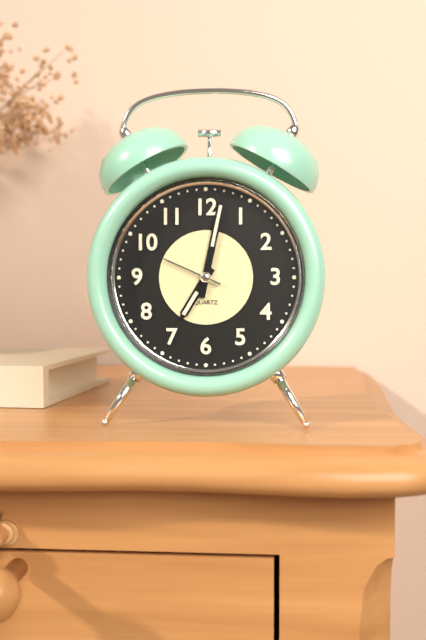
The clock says {"hour": 7, "minute": 2, "second": 49}
